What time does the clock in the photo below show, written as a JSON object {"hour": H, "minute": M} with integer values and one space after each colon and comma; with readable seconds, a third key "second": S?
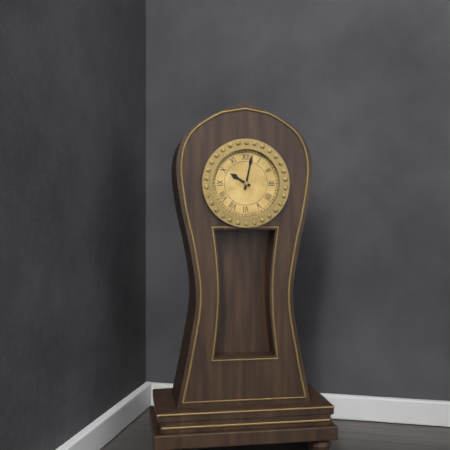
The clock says {"hour": 10, "minute": 2}
